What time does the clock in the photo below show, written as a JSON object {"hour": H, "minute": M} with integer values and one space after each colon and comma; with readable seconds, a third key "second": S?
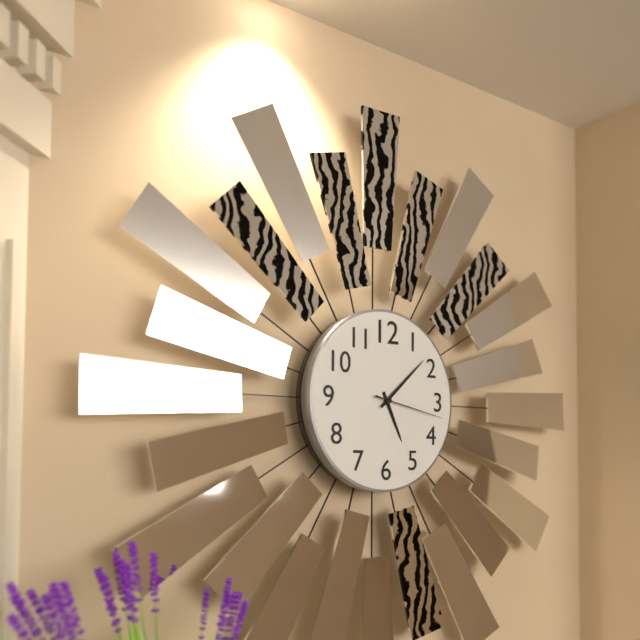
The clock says {"hour": 5, "minute": 8, "second": 17}
